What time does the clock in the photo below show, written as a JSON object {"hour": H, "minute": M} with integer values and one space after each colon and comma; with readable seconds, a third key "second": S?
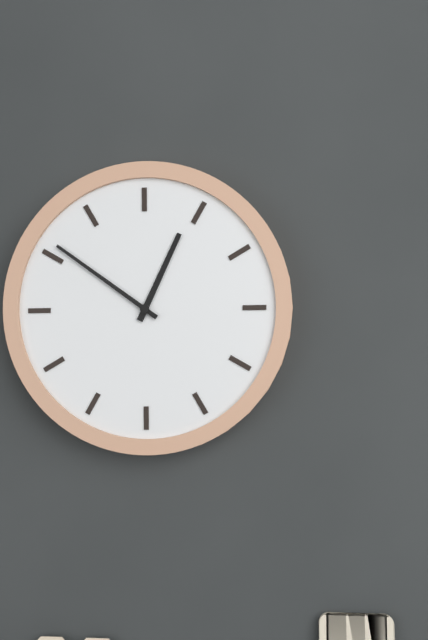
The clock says {"hour": 12, "minute": 51}
